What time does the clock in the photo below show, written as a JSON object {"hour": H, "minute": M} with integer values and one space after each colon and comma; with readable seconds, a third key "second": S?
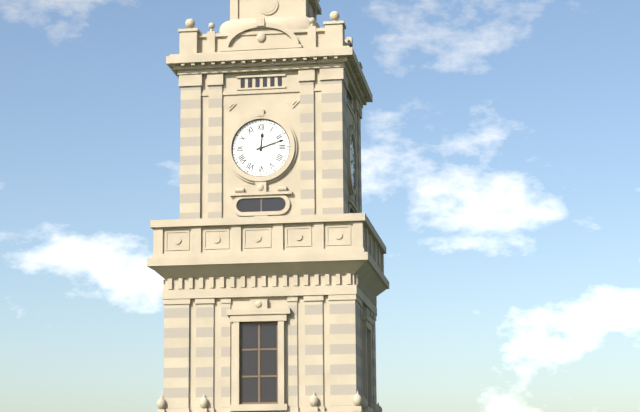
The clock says {"hour": 12, "minute": 12}
